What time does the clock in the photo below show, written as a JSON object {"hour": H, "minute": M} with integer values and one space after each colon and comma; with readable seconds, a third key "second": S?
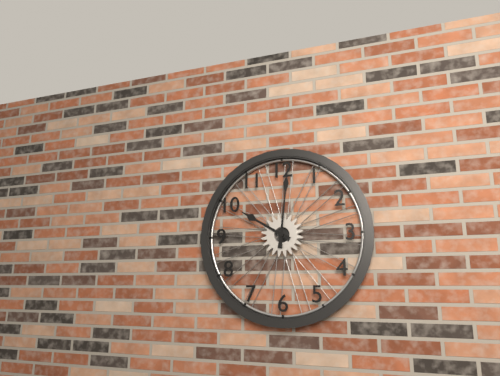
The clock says {"hour": 10, "minute": 1}
